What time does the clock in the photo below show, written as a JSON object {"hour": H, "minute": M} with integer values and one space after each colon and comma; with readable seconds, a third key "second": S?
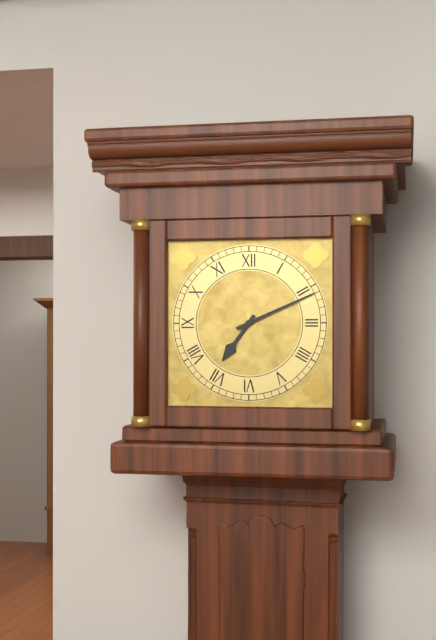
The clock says {"hour": 7, "minute": 11}
